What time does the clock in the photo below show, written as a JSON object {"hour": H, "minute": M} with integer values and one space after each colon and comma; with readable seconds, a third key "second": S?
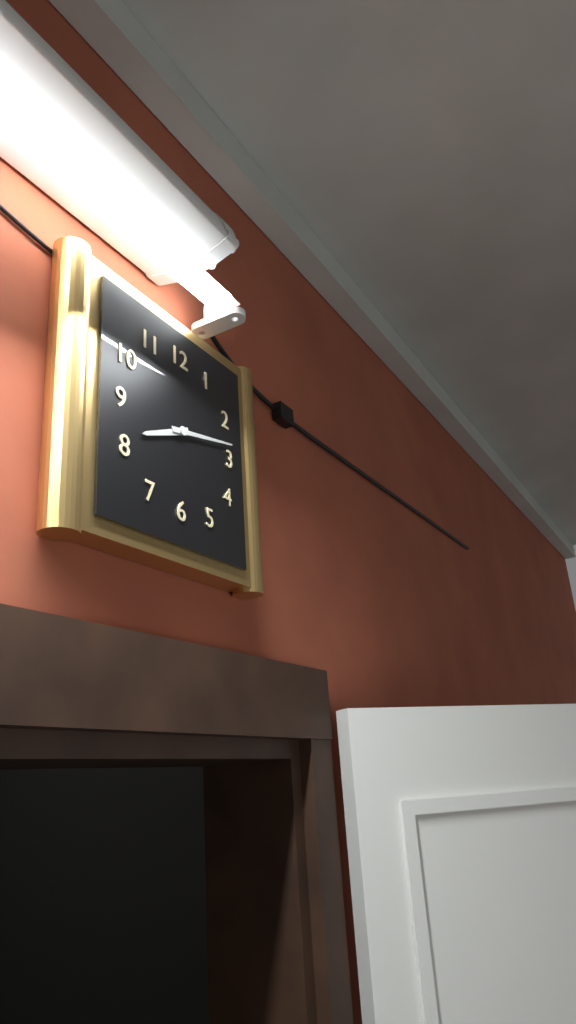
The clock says {"hour": 8, "minute": 13}
